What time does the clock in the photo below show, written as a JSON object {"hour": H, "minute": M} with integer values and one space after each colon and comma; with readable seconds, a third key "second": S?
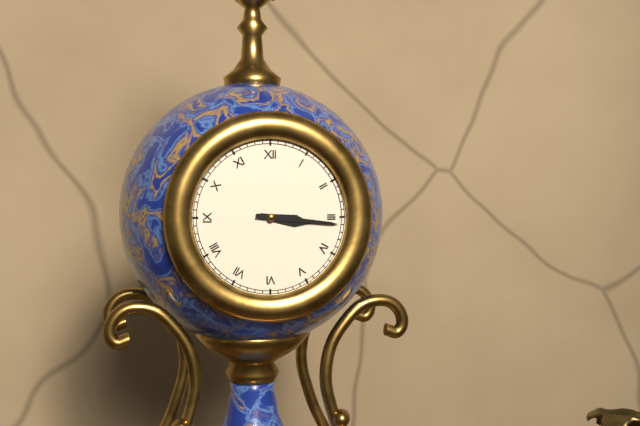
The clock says {"hour": 3, "minute": 16}
